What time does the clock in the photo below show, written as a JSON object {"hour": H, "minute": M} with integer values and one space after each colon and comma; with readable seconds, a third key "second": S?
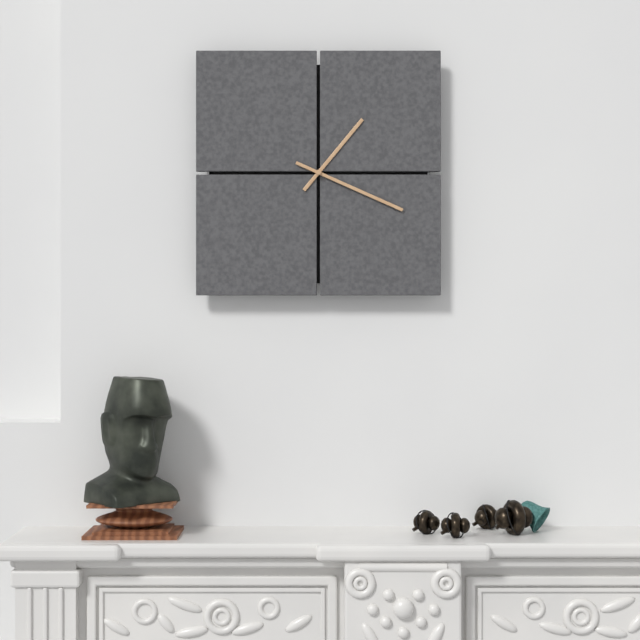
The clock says {"hour": 1, "minute": 19}
